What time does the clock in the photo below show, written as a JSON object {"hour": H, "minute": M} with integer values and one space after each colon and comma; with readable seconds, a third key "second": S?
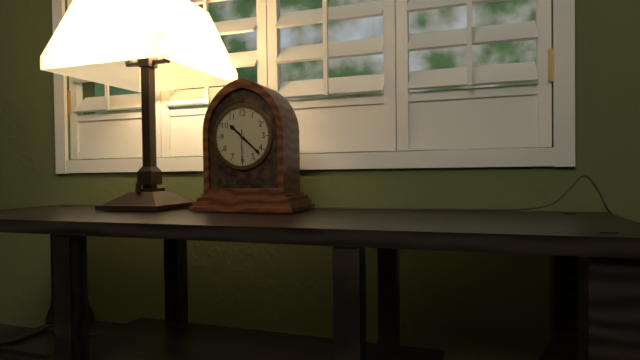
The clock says {"hour": 10, "minute": 22}
